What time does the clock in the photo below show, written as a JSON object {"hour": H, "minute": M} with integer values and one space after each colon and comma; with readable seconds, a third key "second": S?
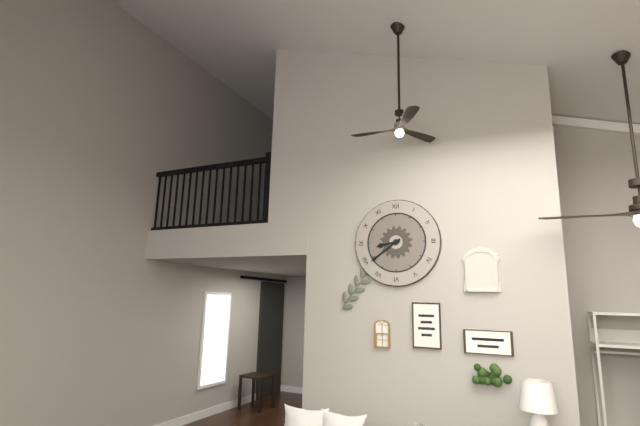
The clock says {"hour": 8, "minute": 39}
